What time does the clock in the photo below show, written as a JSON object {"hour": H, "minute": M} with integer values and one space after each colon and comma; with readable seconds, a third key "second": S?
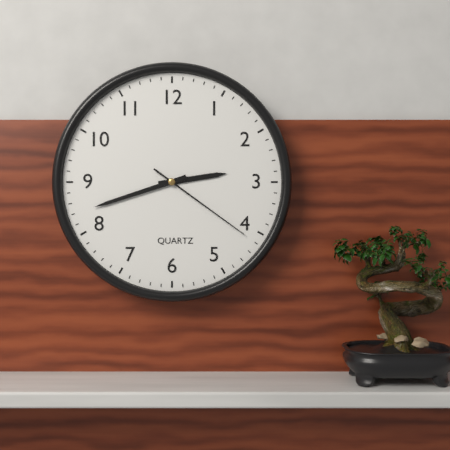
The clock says {"hour": 2, "minute": 42, "second": 21}
